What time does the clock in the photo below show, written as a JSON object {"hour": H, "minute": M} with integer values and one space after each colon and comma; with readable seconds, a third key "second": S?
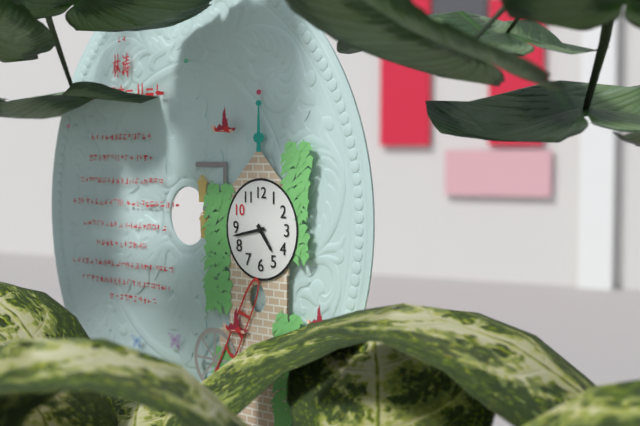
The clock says {"hour": 4, "minute": 43}
